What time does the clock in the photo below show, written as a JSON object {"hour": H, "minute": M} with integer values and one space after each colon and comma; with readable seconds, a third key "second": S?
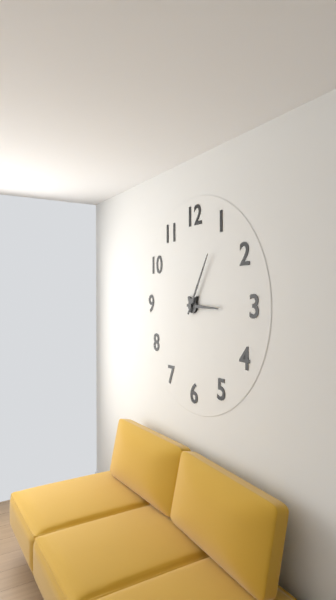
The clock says {"hour": 3, "minute": 5}
